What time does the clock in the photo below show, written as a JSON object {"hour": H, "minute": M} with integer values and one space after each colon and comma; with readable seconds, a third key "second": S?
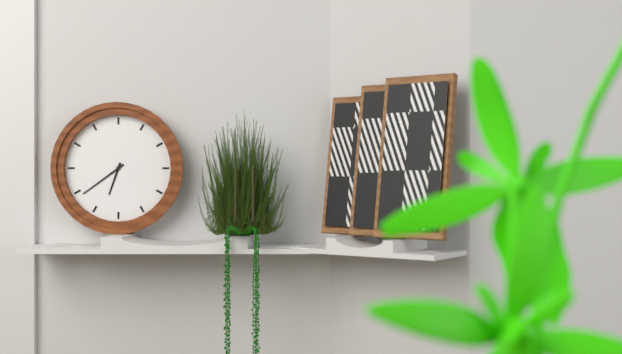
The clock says {"hour": 6, "minute": 39}
